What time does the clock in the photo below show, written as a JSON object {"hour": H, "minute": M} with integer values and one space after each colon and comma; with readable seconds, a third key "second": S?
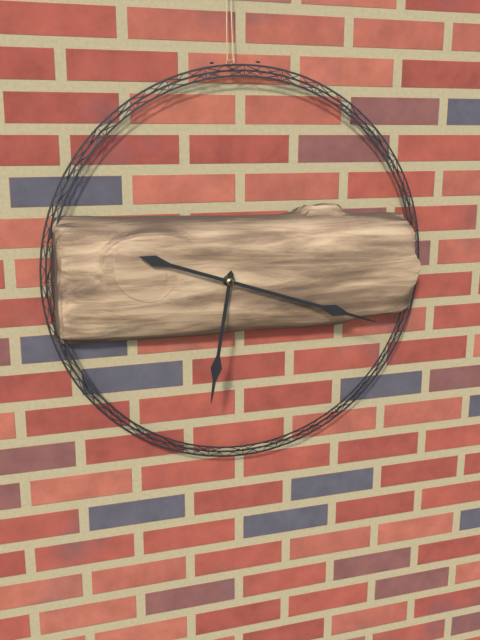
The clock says {"hour": 6, "minute": 18}
